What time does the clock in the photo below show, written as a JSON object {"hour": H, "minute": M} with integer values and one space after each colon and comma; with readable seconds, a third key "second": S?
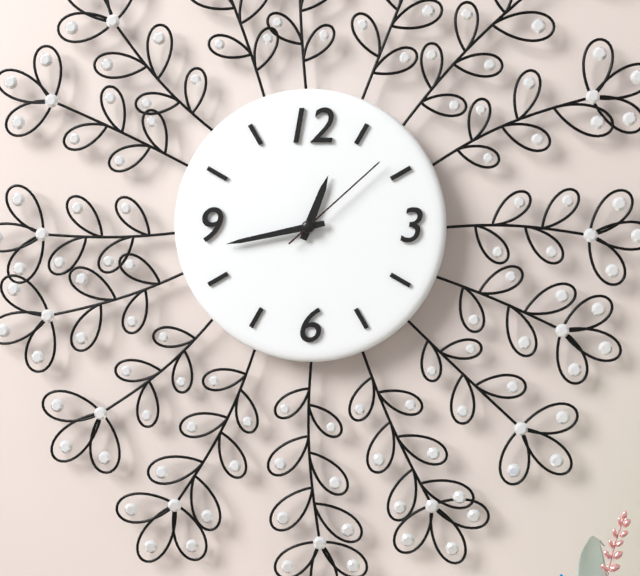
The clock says {"hour": 12, "minute": 43, "second": 8}
